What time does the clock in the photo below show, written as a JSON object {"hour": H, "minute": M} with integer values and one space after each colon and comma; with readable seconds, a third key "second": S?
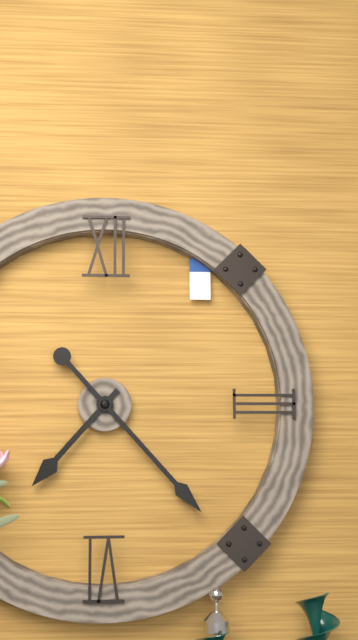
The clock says {"hour": 7, "minute": 23}
